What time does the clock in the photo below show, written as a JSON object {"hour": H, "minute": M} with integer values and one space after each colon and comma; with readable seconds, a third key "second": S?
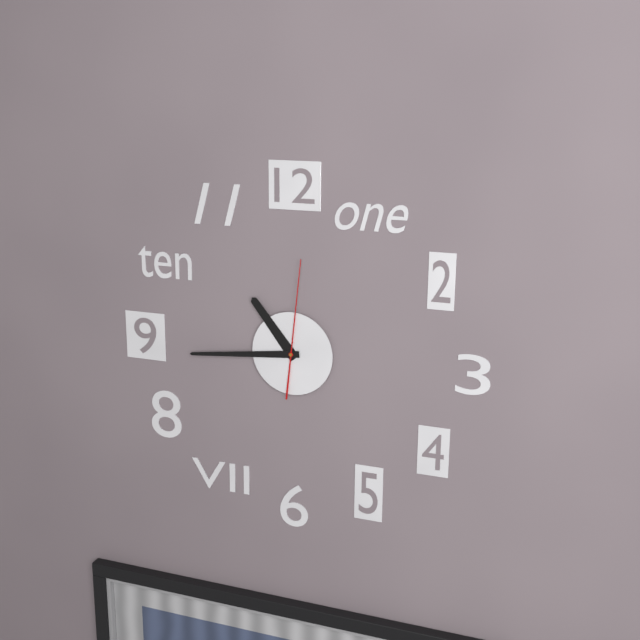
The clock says {"hour": 10, "minute": 44, "second": 1}
